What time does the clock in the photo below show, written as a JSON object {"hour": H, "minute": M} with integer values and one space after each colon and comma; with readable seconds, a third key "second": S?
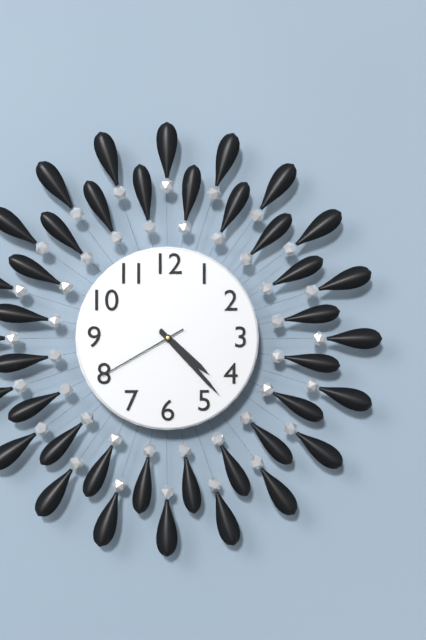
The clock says {"hour": 4, "minute": 23, "second": 40}
